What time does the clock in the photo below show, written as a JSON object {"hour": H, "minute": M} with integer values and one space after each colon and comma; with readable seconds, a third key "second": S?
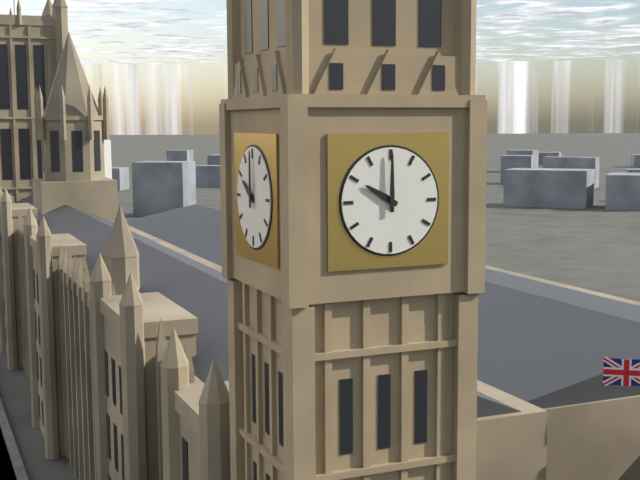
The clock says {"hour": 10, "minute": 0}
